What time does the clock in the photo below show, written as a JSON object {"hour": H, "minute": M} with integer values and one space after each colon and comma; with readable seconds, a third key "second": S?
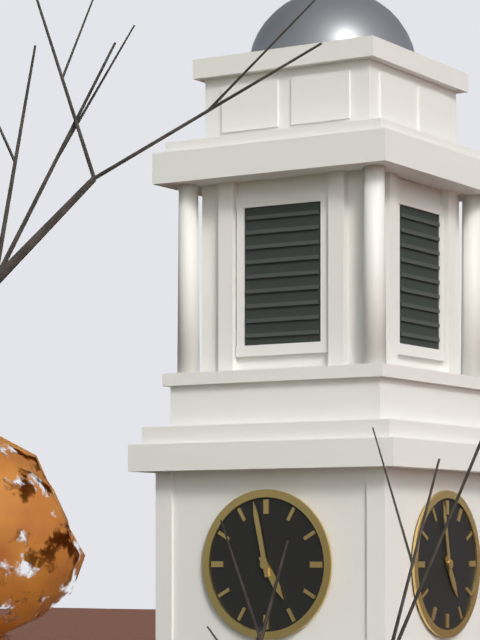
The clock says {"hour": 4, "minute": 58}
